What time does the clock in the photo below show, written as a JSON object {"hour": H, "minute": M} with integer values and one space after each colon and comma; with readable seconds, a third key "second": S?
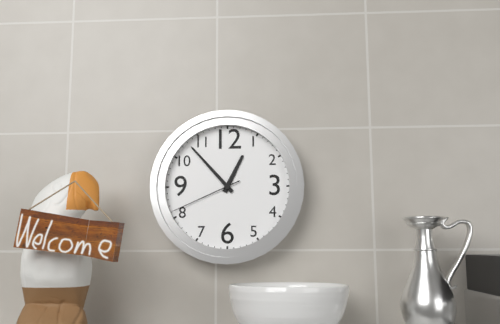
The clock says {"hour": 12, "minute": 53, "second": 41}
